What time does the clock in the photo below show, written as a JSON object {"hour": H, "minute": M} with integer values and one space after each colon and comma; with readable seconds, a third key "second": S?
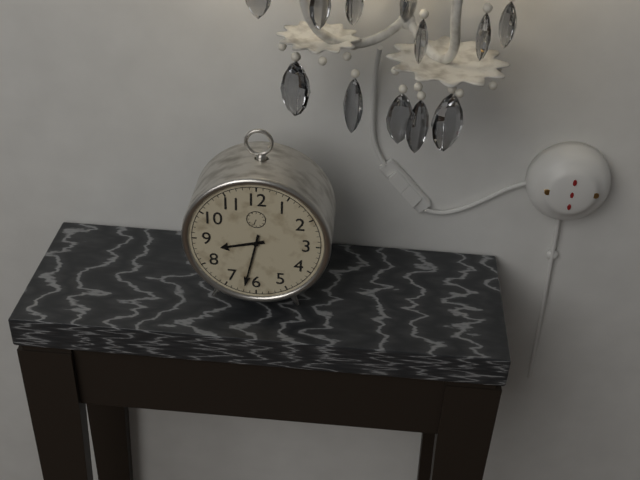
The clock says {"hour": 8, "minute": 32}
